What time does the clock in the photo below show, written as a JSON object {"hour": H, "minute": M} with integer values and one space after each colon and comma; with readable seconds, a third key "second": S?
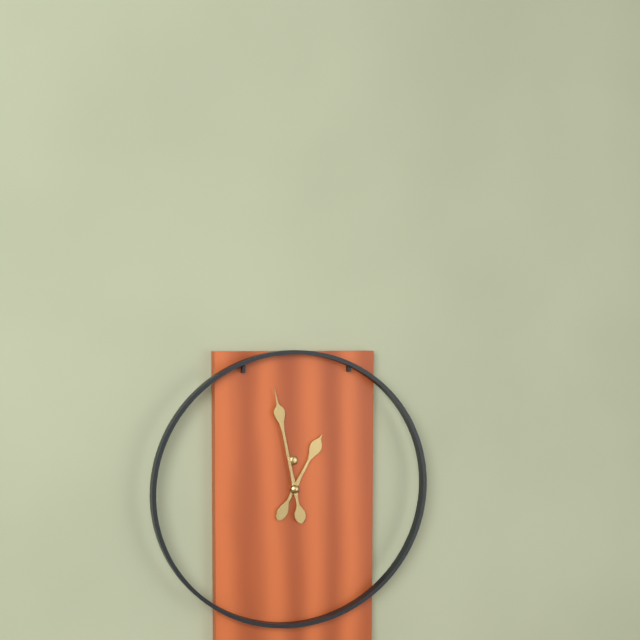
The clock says {"hour": 12, "minute": 58}
